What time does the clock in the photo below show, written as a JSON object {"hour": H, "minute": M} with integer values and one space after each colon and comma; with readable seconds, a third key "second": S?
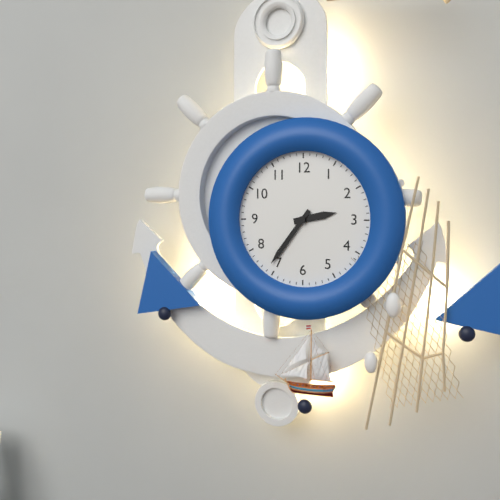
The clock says {"hour": 2, "minute": 36}
